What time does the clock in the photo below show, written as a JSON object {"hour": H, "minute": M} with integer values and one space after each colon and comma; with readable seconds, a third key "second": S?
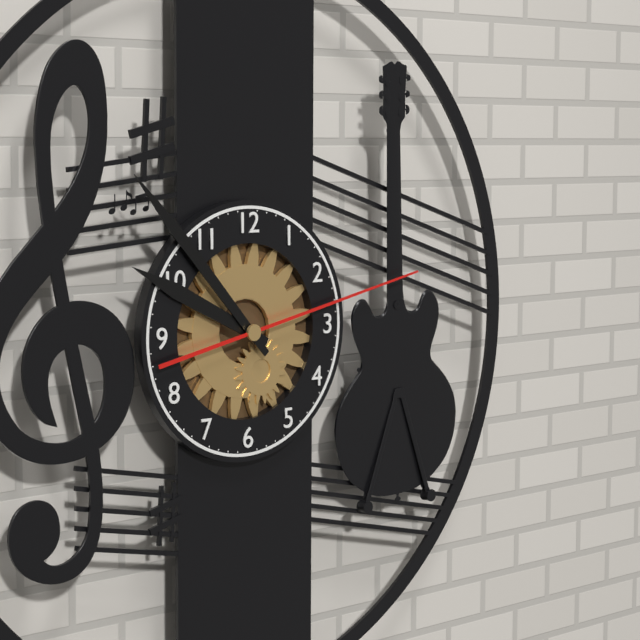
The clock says {"hour": 9, "minute": 53, "second": 13}
